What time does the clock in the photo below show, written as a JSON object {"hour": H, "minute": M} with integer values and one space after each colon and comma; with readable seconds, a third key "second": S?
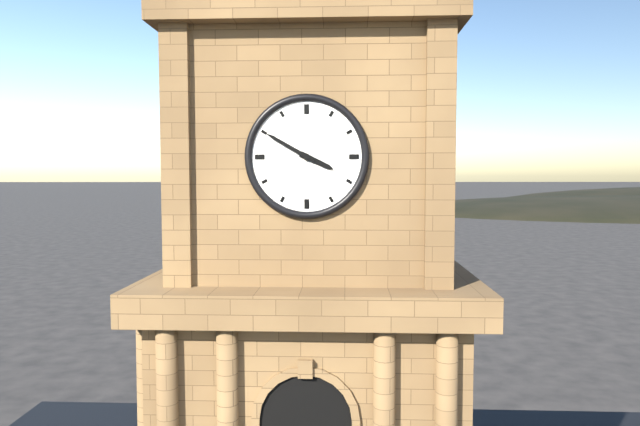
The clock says {"hour": 3, "minute": 50}
